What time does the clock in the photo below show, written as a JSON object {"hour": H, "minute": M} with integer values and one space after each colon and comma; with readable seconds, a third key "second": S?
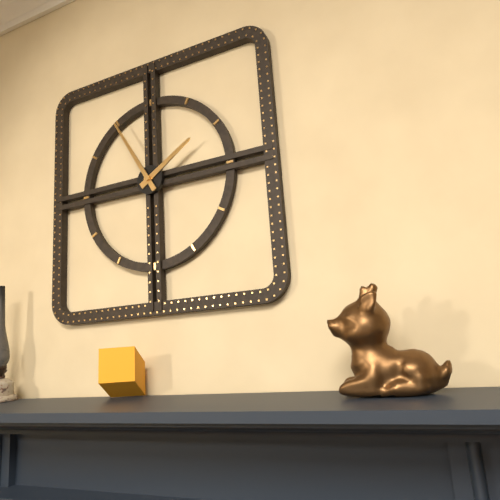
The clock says {"hour": 1, "minute": 55}
